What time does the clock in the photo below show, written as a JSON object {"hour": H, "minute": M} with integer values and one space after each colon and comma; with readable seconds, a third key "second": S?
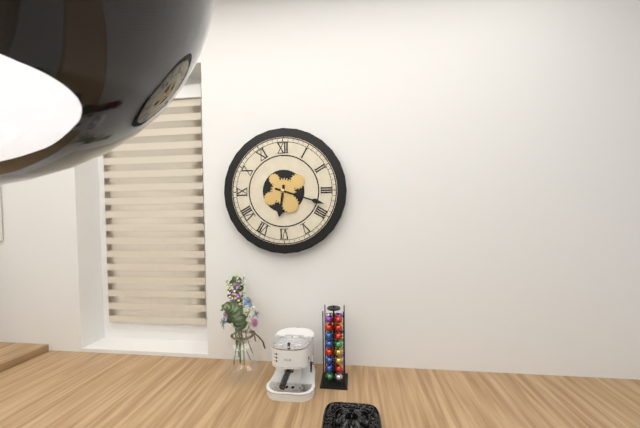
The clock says {"hour": 6, "minute": 18}
